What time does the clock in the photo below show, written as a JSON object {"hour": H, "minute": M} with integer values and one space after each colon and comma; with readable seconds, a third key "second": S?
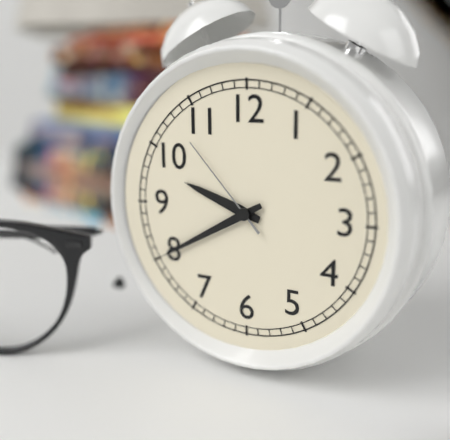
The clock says {"hour": 9, "minute": 40, "second": 53}
